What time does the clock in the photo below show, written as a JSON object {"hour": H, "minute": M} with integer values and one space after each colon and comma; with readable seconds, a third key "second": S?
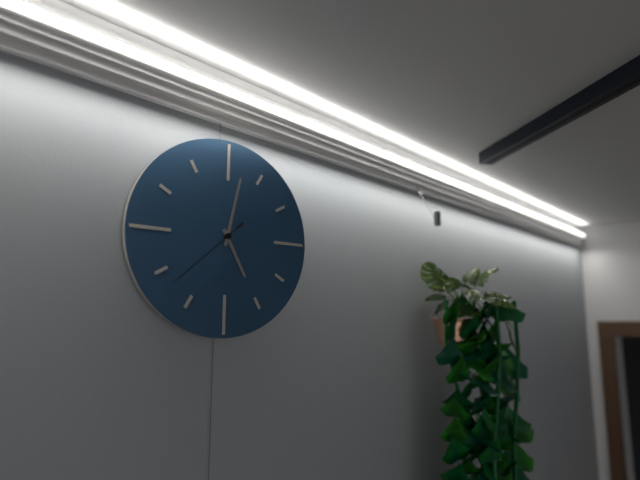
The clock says {"hour": 5, "minute": 2, "second": 38}
